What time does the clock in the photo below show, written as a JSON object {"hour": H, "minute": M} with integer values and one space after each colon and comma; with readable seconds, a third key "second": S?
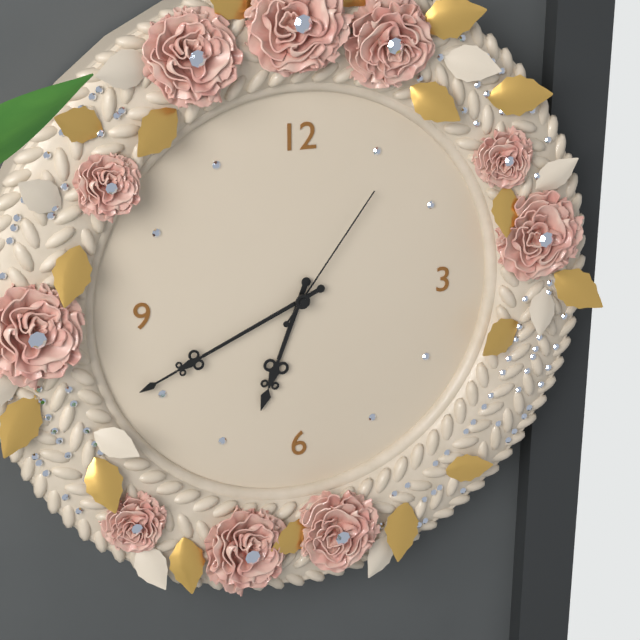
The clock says {"hour": 6, "minute": 41, "second": 6}
